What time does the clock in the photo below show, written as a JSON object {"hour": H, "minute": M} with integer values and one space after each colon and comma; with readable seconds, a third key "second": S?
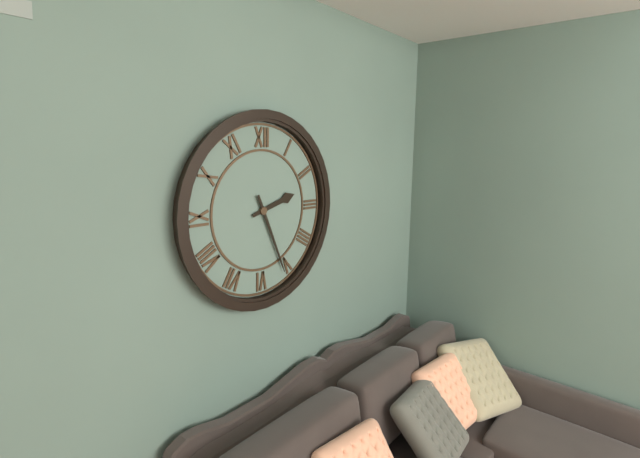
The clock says {"hour": 2, "minute": 26}
